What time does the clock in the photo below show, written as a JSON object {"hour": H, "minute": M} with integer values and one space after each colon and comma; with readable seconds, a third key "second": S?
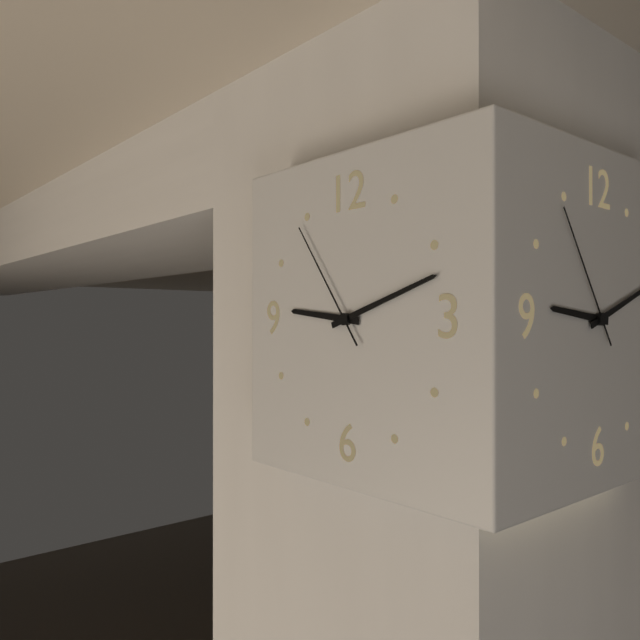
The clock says {"hour": 9, "minute": 12, "second": 54}
